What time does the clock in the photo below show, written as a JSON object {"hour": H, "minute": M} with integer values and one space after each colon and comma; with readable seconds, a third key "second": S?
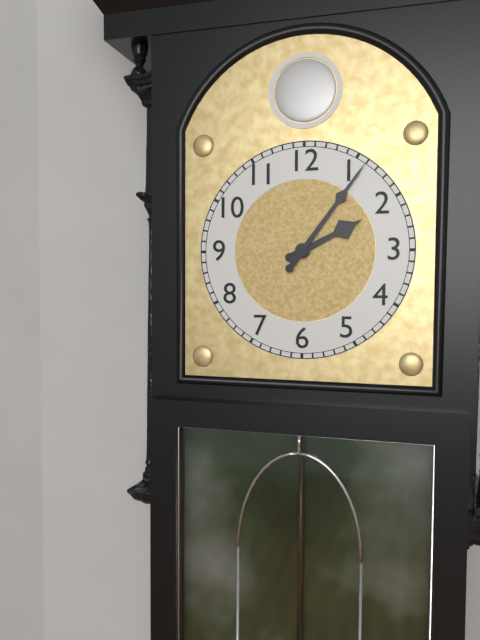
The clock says {"hour": 2, "minute": 6}
